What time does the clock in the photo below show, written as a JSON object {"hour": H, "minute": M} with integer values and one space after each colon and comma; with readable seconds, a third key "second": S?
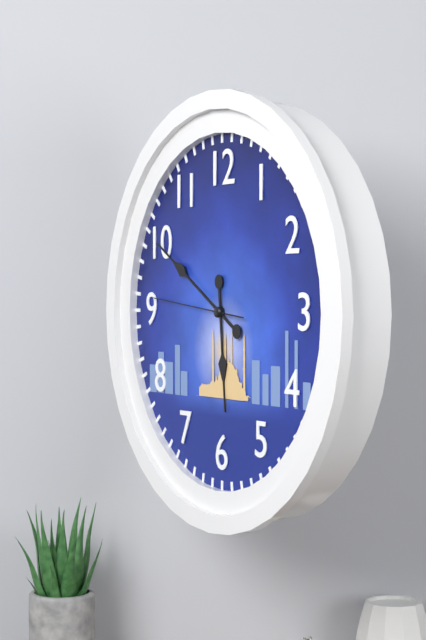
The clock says {"hour": 5, "minute": 50, "second": 46}
